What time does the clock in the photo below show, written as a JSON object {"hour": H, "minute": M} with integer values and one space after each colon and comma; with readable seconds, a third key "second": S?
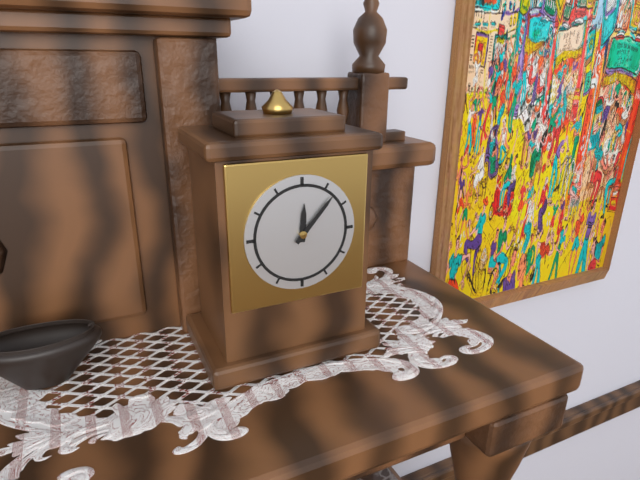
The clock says {"hour": 12, "minute": 7}
